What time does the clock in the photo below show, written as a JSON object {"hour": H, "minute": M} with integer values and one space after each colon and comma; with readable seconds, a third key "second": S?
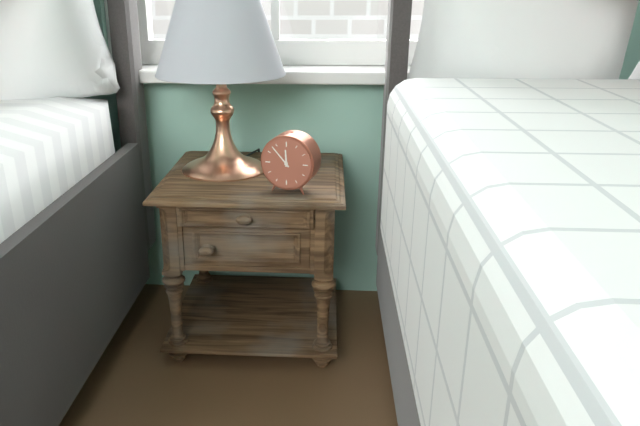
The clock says {"hour": 11, "minute": 53}
